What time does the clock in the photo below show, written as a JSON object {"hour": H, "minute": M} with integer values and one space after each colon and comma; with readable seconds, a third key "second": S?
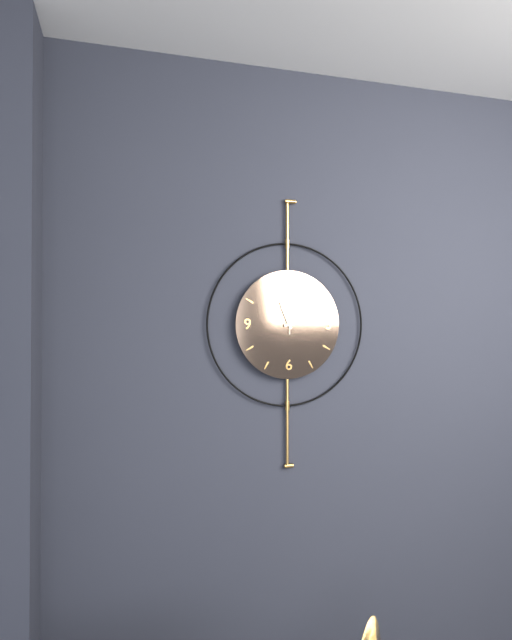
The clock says {"hour": 11, "minute": 13, "second": 0}
